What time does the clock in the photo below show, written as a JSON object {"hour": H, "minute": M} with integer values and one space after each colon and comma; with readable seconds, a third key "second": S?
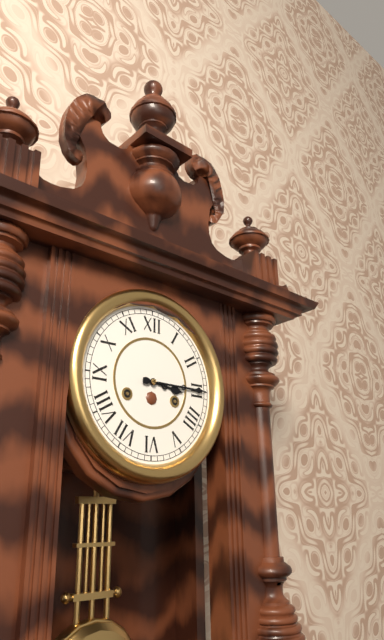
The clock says {"hour": 3, "minute": 15}
